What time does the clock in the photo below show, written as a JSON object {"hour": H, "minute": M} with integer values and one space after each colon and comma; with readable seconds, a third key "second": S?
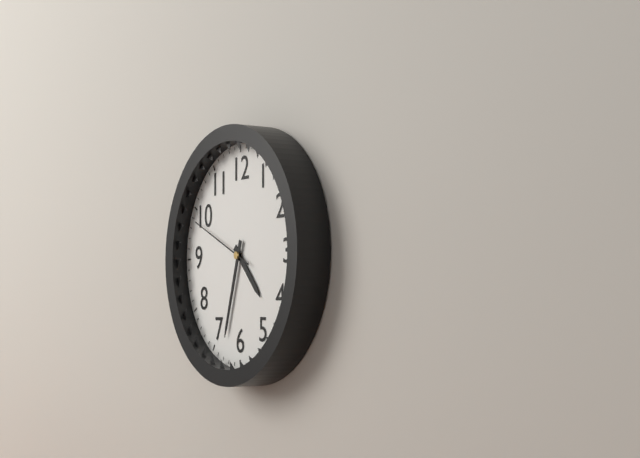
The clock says {"hour": 4, "minute": 33, "second": 49}
